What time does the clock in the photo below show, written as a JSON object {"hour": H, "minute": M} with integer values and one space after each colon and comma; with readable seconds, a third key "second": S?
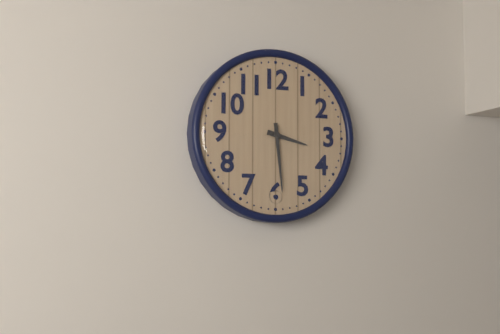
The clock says {"hour": 3, "minute": 29}
